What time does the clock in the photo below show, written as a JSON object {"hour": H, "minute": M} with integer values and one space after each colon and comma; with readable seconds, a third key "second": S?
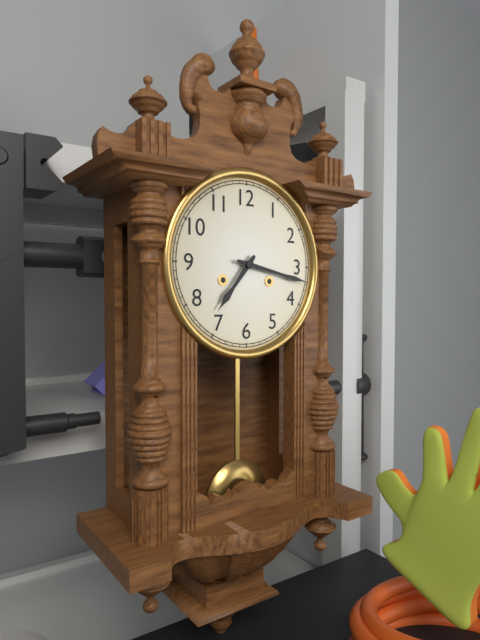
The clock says {"hour": 7, "minute": 17}
